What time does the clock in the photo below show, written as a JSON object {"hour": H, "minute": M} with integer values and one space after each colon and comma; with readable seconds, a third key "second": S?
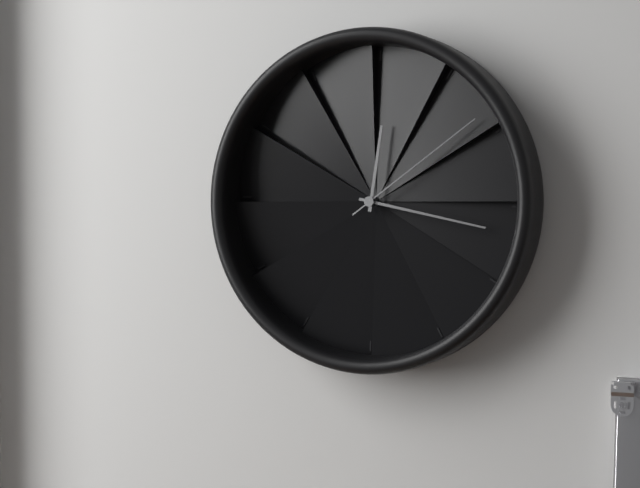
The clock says {"hour": 12, "minute": 17, "second": 9}
